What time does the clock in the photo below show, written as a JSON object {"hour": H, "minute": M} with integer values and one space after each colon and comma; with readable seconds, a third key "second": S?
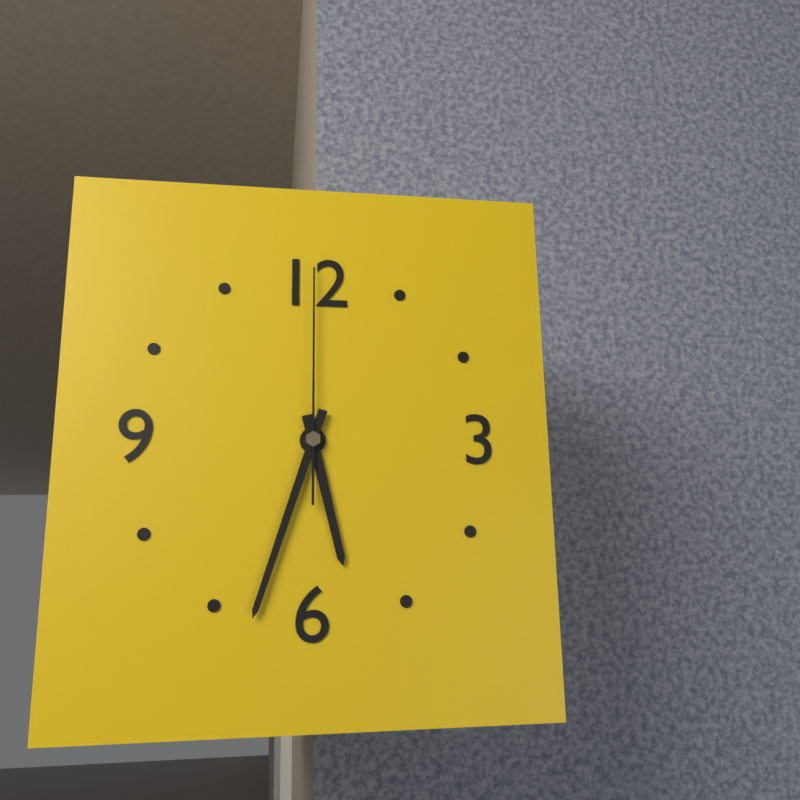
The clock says {"hour": 5, "minute": 33, "second": 0}
